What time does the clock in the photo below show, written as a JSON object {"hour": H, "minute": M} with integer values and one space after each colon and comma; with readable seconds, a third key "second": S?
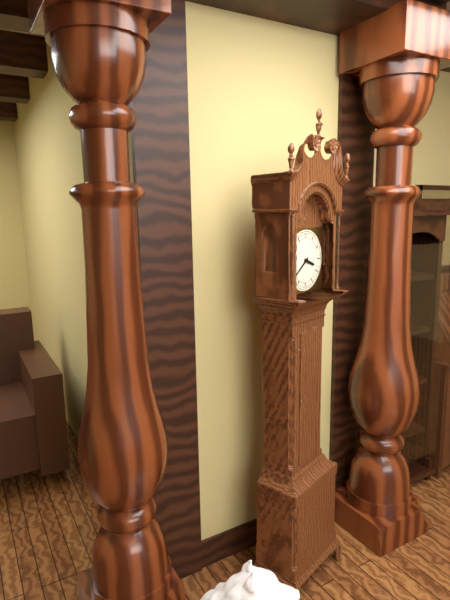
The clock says {"hour": 3, "minute": 39}
